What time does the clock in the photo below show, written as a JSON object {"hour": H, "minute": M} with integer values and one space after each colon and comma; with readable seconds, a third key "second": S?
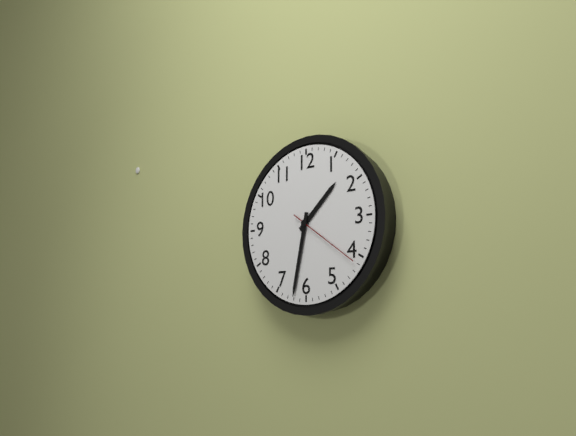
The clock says {"hour": 1, "minute": 32, "second": 21}
